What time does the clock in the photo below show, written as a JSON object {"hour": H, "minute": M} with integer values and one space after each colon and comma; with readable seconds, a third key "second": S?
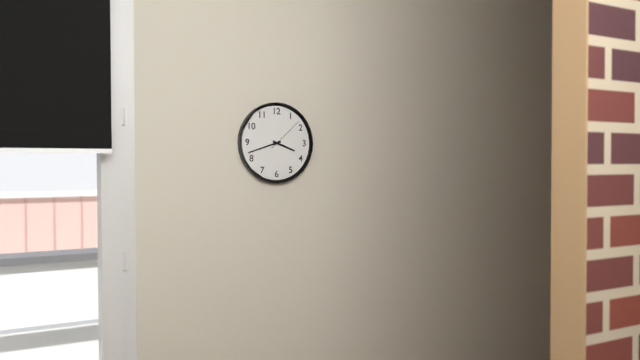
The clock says {"hour": 3, "minute": 42}
